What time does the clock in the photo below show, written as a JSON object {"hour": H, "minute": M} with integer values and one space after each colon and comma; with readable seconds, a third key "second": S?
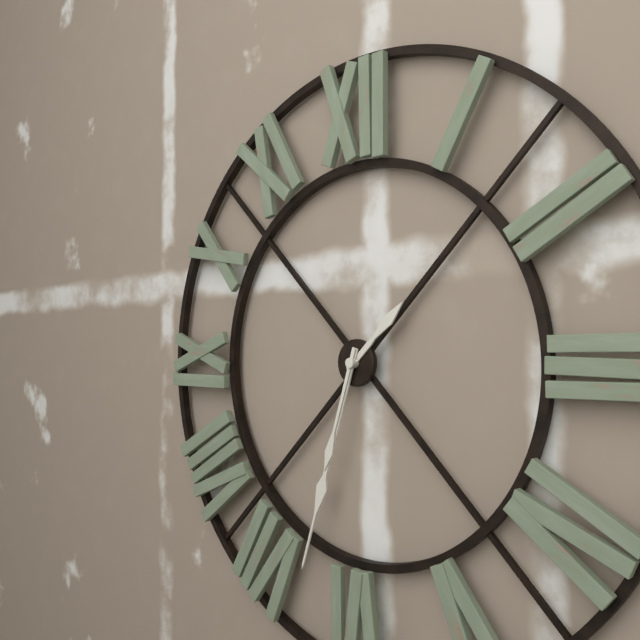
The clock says {"hour": 1, "minute": 33, "second": 33}
